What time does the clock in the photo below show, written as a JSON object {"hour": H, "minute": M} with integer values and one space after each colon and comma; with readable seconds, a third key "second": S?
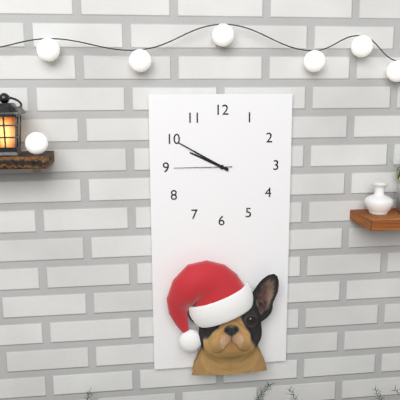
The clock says {"hour": 9, "minute": 50, "second": 45}
